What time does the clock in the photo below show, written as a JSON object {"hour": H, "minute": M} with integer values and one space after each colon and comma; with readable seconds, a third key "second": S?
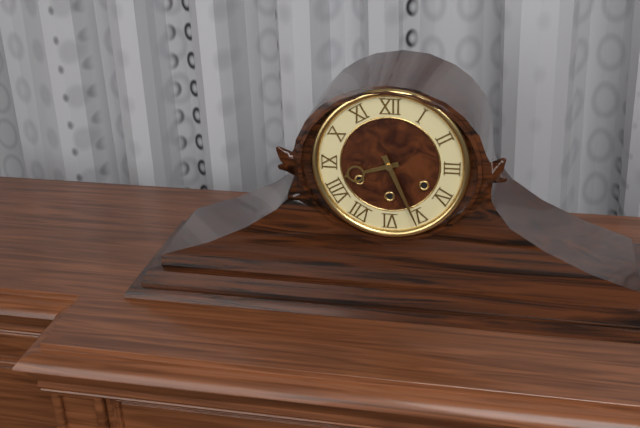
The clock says {"hour": 8, "minute": 26}
